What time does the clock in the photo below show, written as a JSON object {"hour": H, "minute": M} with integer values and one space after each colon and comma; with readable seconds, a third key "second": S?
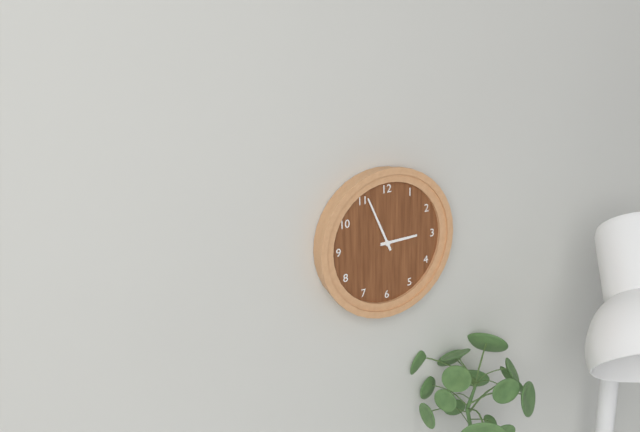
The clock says {"hour": 2, "minute": 56}
